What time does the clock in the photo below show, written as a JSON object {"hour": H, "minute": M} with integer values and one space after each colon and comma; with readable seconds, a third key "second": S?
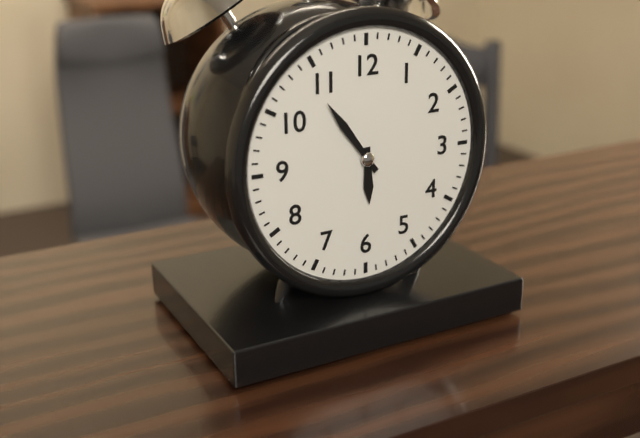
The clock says {"hour": 5, "minute": 54}
